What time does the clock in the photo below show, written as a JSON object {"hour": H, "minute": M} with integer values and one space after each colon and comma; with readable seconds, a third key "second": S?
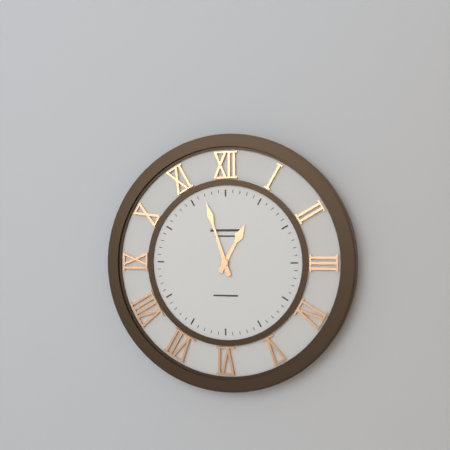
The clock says {"hour": 12, "minute": 57}
